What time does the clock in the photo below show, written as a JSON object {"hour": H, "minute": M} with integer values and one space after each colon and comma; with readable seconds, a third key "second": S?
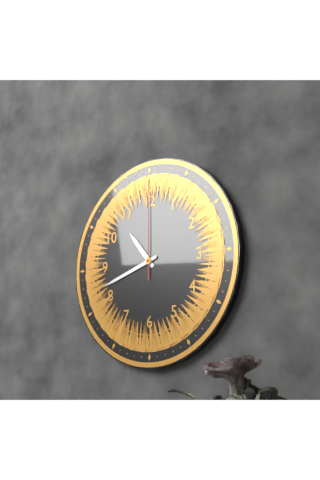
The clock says {"hour": 10, "minute": 42, "second": 0}
